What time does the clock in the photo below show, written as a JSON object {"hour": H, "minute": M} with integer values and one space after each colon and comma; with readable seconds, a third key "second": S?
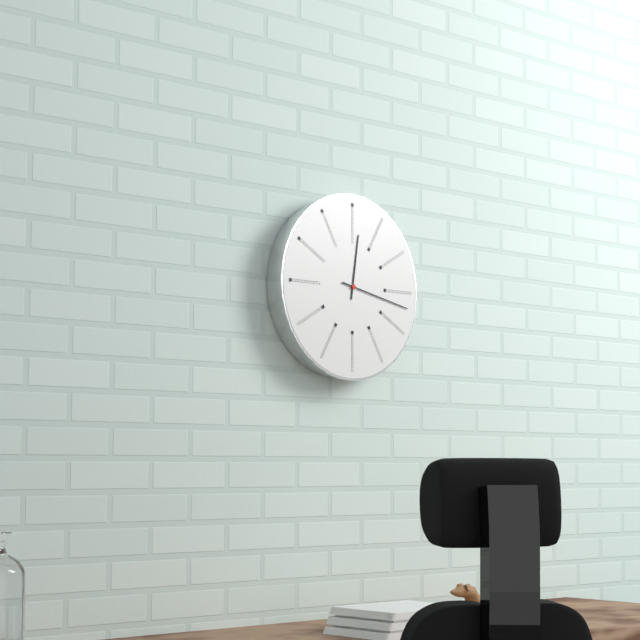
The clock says {"hour": 12, "minute": 17}
